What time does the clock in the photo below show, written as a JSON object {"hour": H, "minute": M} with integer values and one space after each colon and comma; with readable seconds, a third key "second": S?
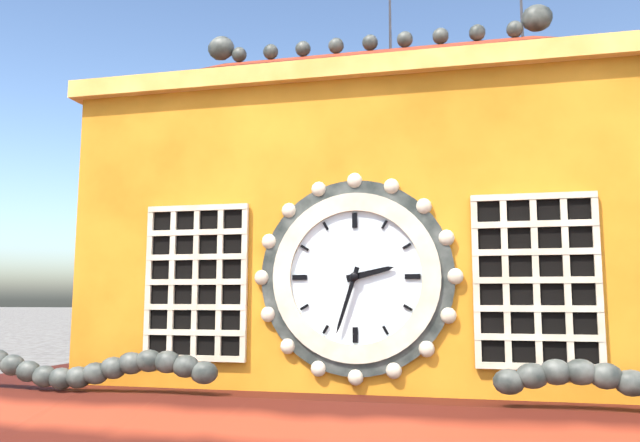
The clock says {"hour": 2, "minute": 33}
